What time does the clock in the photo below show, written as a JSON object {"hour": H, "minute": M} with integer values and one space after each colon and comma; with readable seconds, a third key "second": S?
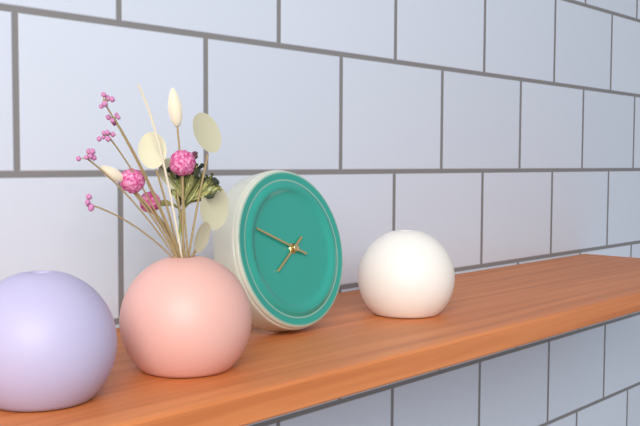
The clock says {"hour": 7, "minute": 49}
